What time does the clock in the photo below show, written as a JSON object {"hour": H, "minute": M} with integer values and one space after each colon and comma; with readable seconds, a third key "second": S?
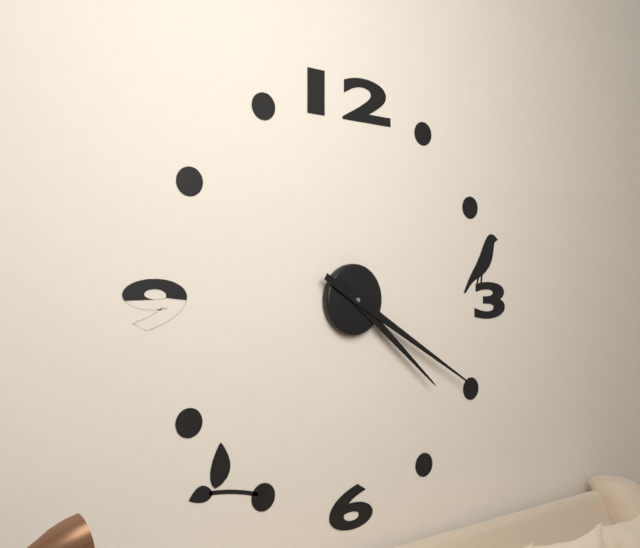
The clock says {"hour": 4, "minute": 20}
